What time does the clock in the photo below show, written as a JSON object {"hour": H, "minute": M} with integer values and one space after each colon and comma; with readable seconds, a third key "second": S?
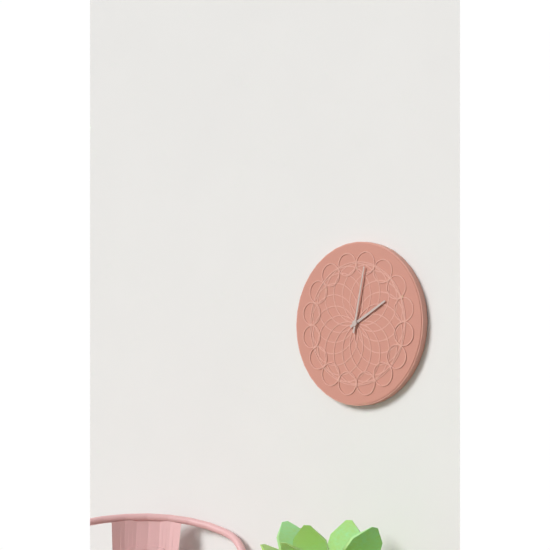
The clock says {"hour": 2, "minute": 2}
